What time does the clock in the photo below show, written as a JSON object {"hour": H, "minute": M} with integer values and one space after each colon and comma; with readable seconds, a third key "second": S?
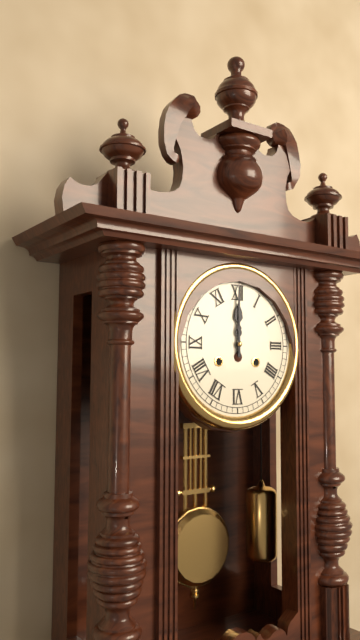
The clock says {"hour": 12, "minute": 0}
